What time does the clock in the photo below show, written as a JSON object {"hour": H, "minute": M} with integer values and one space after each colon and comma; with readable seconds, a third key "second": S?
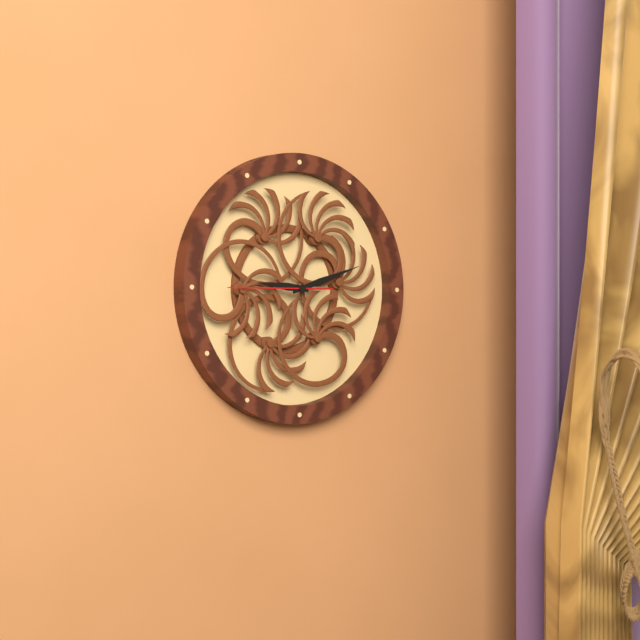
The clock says {"hour": 9, "minute": 12, "second": 45}
